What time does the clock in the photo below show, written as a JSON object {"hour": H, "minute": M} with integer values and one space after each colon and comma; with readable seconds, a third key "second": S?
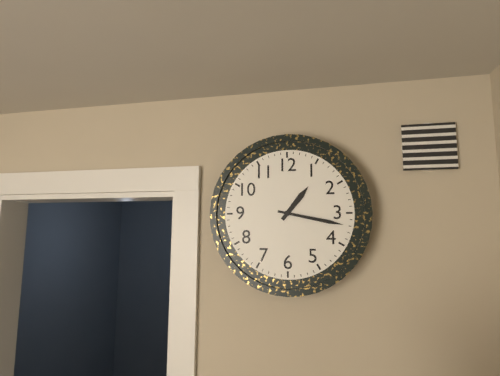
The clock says {"hour": 1, "minute": 17}
